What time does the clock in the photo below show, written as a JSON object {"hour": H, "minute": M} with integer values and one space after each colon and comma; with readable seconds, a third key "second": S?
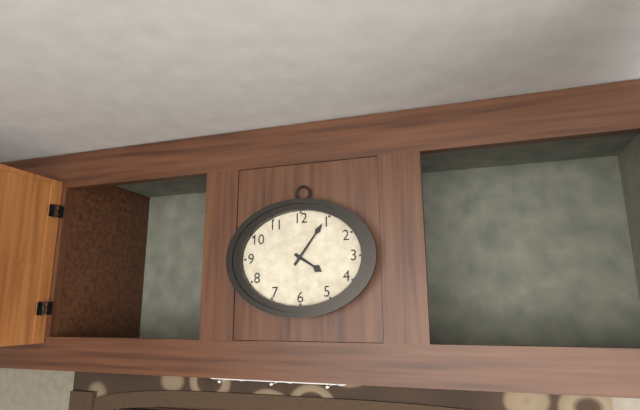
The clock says {"hour": 4, "minute": 6}
